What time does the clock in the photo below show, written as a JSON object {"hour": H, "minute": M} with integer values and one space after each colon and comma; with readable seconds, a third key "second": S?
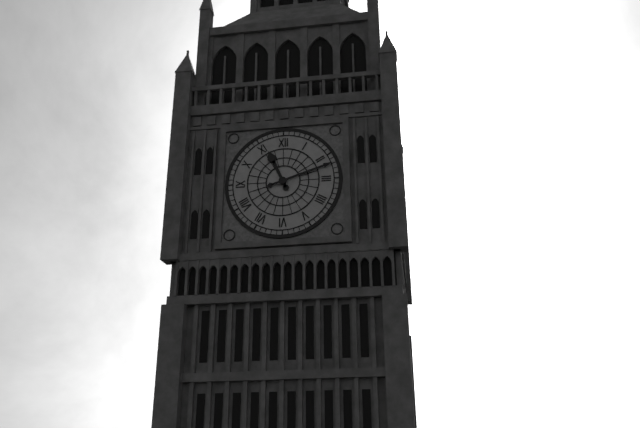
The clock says {"hour": 11, "minute": 12}
